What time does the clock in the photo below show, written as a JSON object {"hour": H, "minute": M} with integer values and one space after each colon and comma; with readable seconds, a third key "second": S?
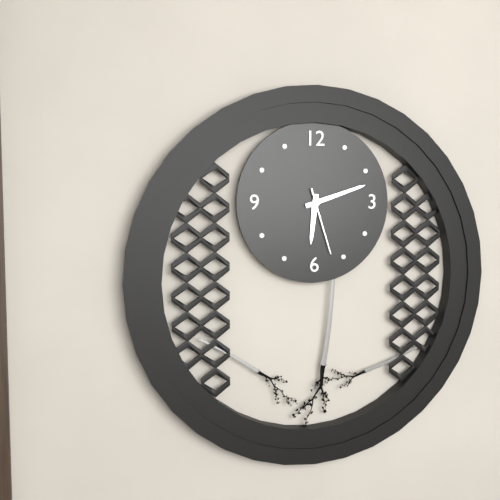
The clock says {"hour": 6, "minute": 12, "second": 27}
